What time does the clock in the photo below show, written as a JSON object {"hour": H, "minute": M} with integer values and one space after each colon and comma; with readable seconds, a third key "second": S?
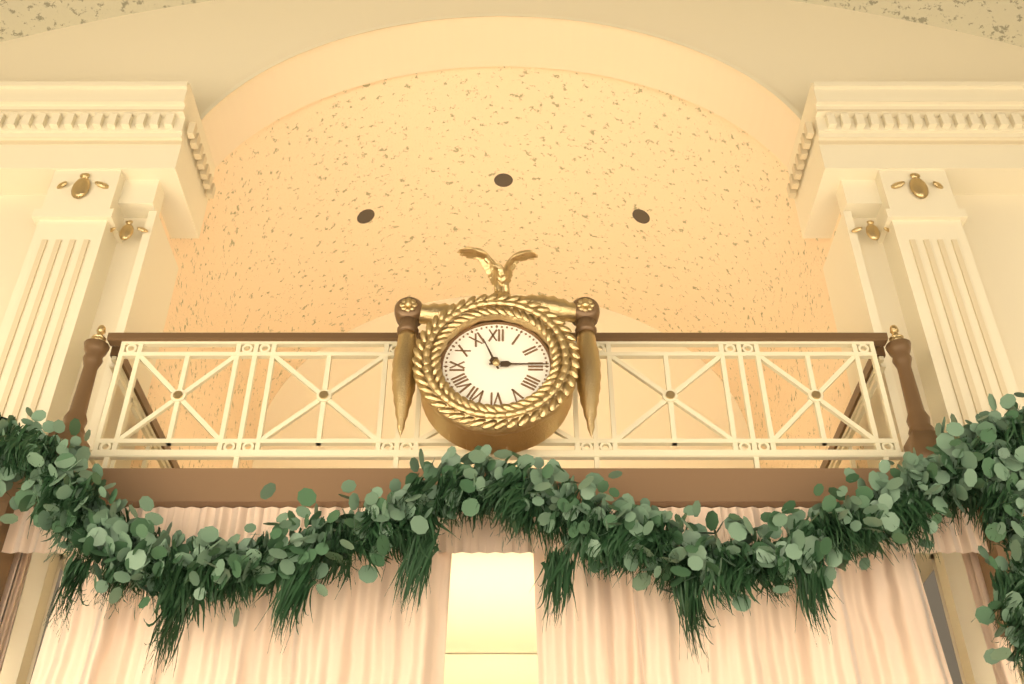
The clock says {"hour": 11, "minute": 15}
